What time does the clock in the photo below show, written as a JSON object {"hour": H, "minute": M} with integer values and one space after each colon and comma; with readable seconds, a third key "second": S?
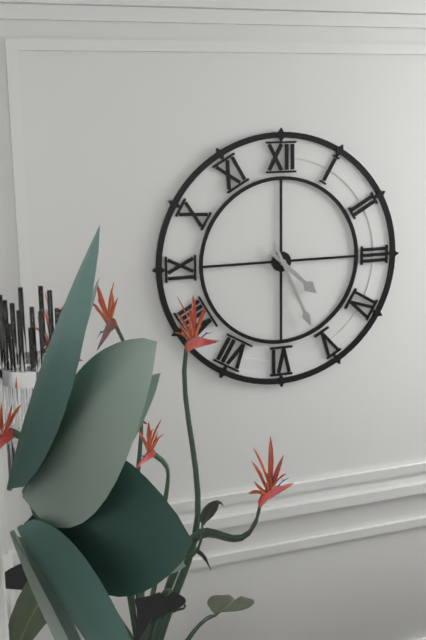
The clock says {"hour": 4, "minute": 26}
